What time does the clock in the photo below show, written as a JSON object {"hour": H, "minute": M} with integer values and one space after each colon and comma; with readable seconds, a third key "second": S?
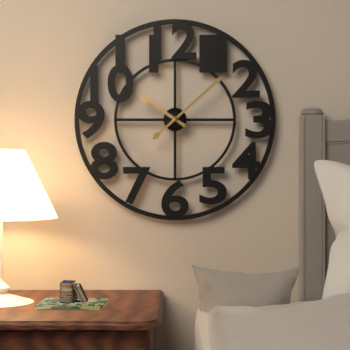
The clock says {"hour": 10, "minute": 8}
